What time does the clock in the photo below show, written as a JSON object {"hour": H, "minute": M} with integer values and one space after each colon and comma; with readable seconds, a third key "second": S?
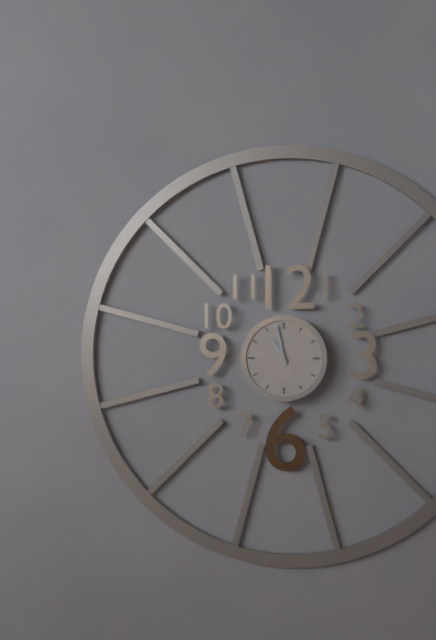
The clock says {"hour": 10, "minute": 58}
